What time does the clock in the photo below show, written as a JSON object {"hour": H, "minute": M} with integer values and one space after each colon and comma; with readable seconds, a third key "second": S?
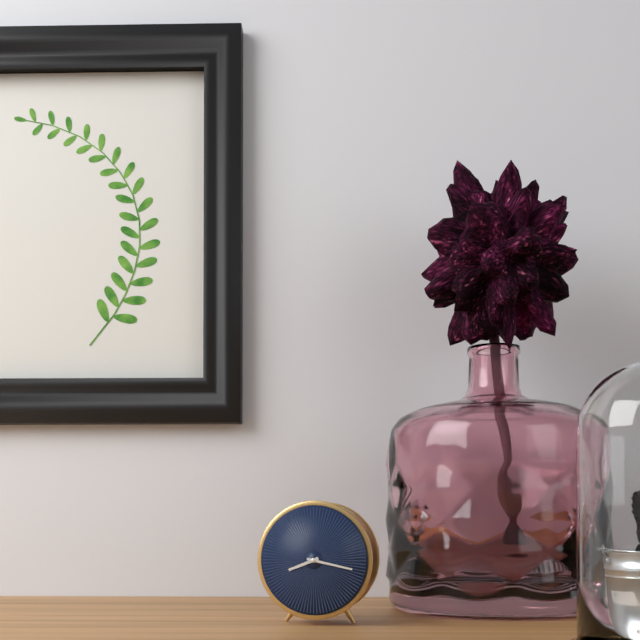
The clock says {"hour": 8, "minute": 17}
